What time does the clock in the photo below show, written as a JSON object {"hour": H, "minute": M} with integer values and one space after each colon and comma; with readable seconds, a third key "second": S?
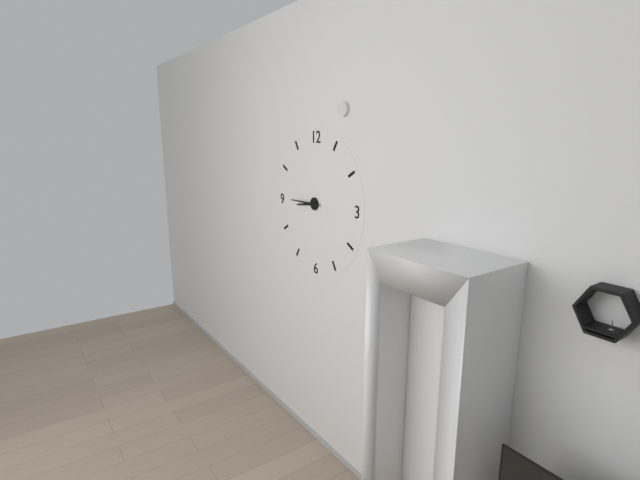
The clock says {"hour": 8, "minute": 45}
